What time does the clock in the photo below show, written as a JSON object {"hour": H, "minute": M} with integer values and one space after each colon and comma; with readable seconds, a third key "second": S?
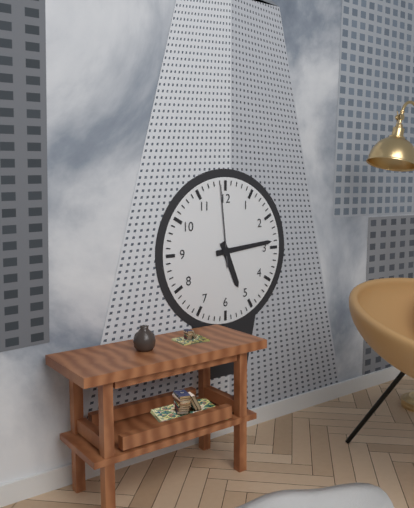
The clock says {"hour": 5, "minute": 14, "second": 59}
